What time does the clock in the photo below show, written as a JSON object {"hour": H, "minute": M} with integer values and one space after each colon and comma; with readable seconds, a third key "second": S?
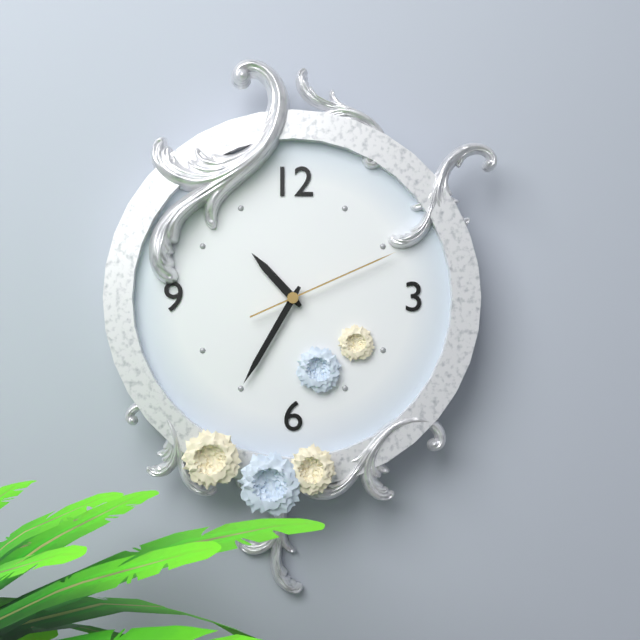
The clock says {"hour": 10, "minute": 35, "second": 11}
